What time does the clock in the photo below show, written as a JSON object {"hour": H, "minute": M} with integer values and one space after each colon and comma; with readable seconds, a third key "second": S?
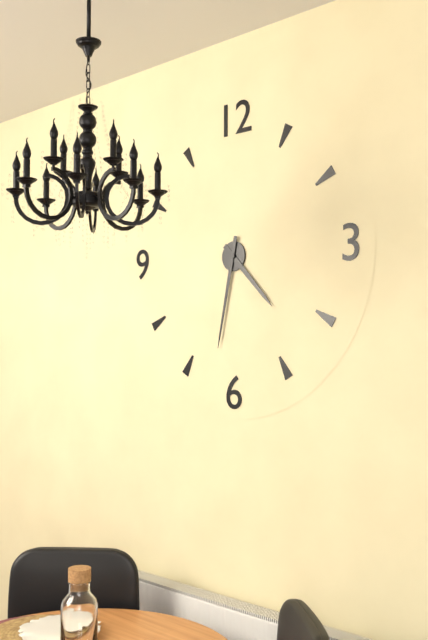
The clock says {"hour": 4, "minute": 32}
